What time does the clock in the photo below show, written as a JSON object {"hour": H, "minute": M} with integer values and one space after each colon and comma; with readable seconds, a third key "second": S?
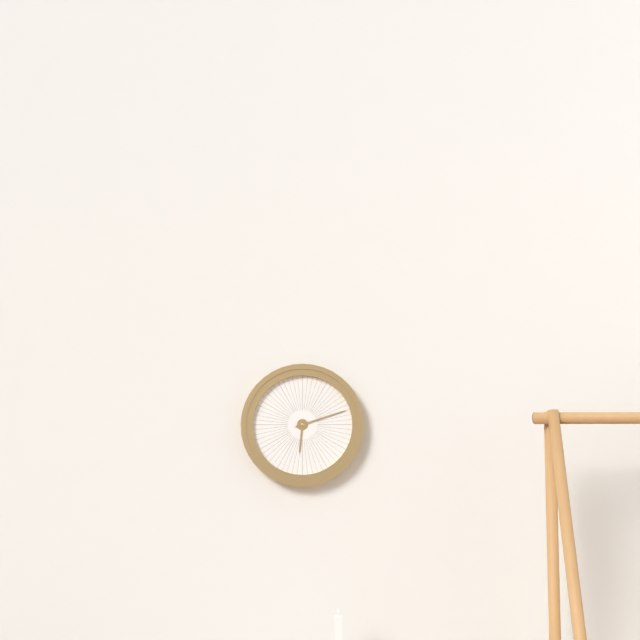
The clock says {"hour": 6, "minute": 12}
